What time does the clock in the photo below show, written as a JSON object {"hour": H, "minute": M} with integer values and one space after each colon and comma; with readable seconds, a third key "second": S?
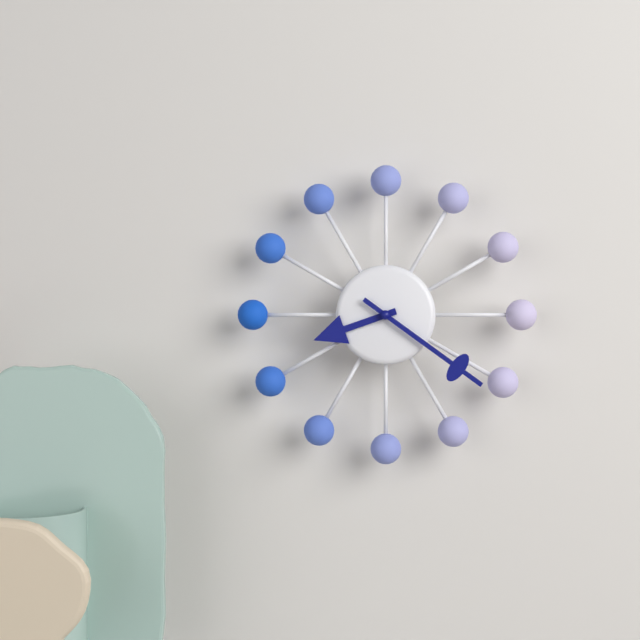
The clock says {"hour": 8, "minute": 21}
